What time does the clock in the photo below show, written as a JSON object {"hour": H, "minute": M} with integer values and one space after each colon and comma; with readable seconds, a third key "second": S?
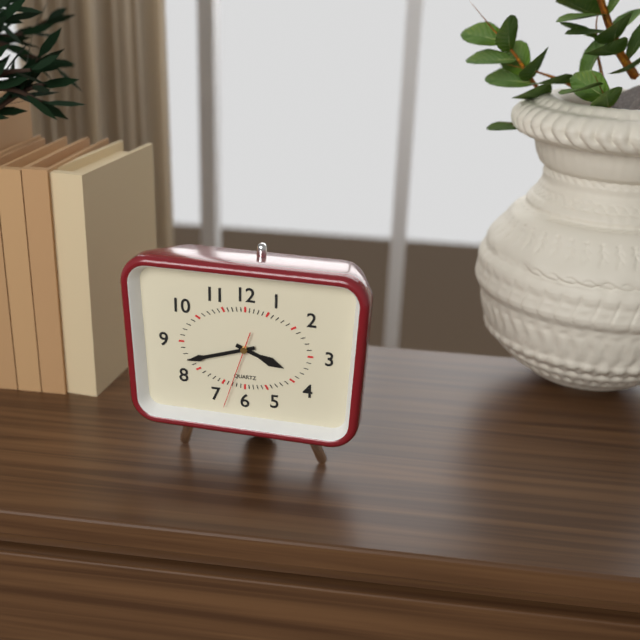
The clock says {"hour": 3, "minute": 42, "second": 33}
